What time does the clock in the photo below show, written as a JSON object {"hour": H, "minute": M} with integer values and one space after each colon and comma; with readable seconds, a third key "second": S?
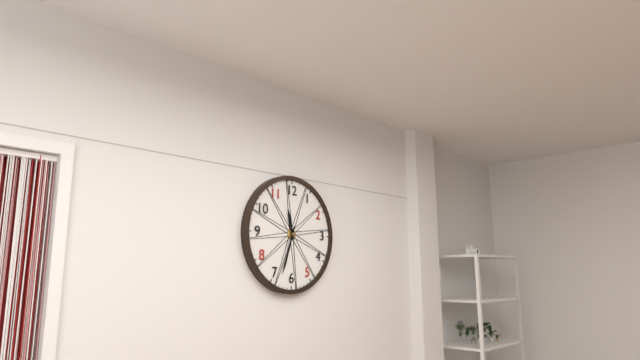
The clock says {"hour": 11, "minute": 33}
